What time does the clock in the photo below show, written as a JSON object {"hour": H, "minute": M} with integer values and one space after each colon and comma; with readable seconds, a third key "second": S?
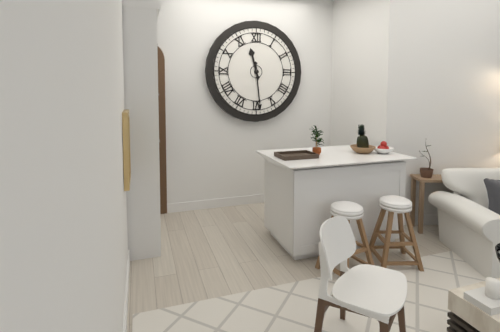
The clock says {"hour": 11, "minute": 29}
